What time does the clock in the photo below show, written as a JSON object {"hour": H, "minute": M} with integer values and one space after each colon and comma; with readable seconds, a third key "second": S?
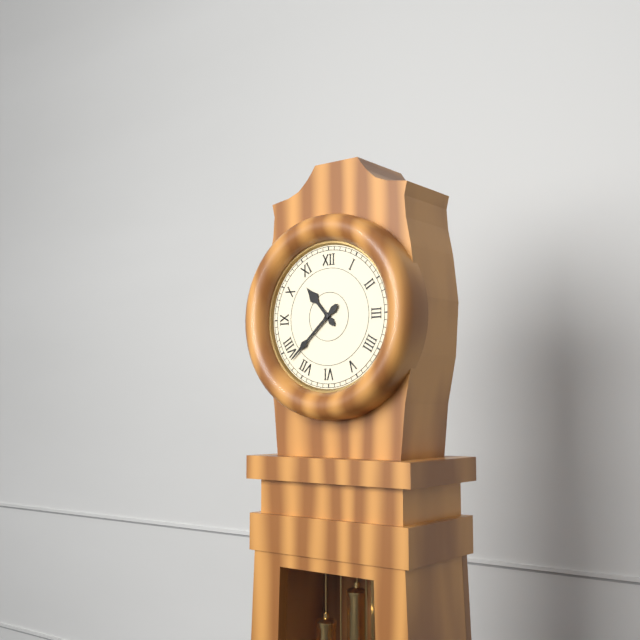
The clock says {"hour": 10, "minute": 38}
